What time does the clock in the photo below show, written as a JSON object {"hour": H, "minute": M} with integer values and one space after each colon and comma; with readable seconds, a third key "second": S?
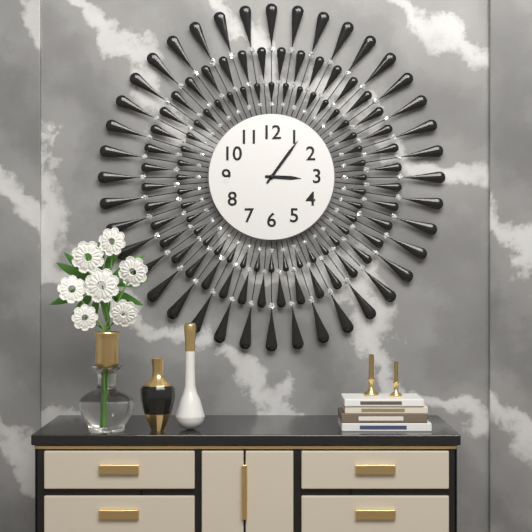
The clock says {"hour": 3, "minute": 6}
